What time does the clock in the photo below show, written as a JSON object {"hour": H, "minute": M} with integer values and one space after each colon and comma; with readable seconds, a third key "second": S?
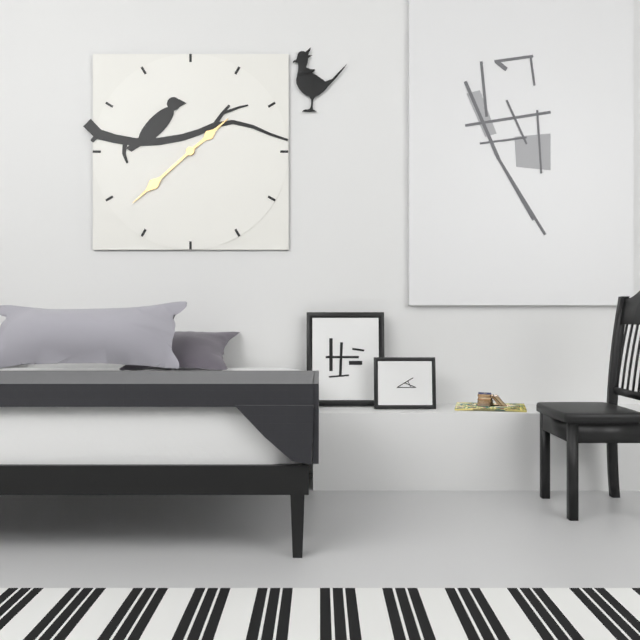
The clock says {"hour": 1, "minute": 38}
